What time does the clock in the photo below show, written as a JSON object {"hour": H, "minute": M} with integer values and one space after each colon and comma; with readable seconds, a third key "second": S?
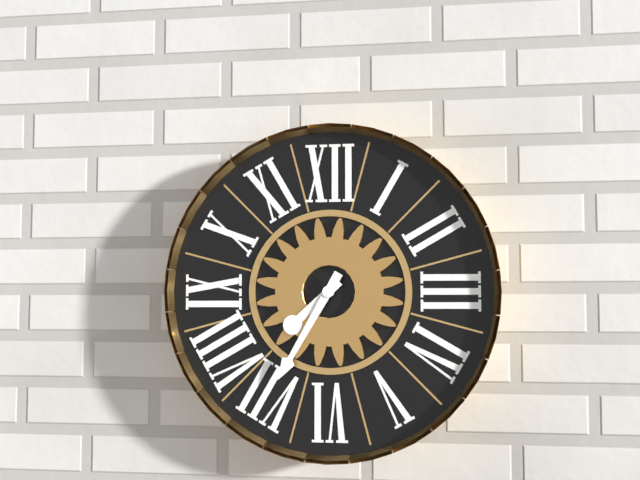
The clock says {"hour": 7, "minute": 35}
